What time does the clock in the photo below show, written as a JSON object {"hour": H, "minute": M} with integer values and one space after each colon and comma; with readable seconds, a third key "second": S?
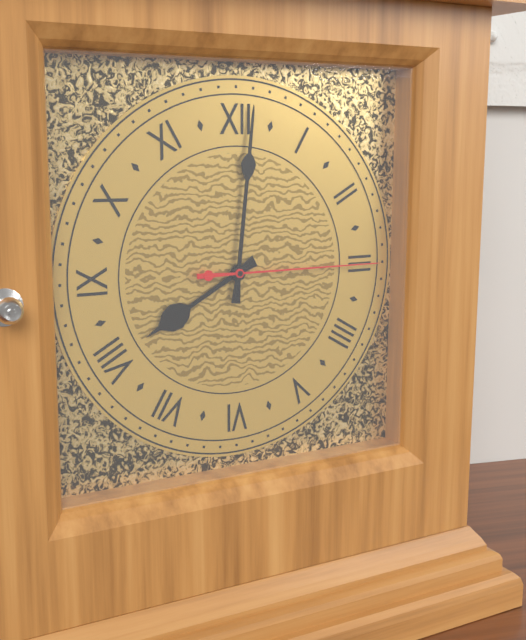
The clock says {"hour": 8, "minute": 1, "second": 15}
